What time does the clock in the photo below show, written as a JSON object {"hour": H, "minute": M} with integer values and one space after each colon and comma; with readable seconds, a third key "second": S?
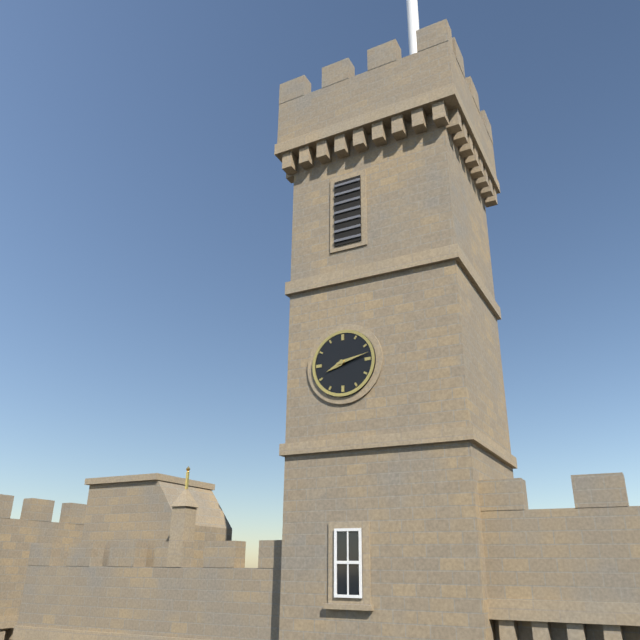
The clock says {"hour": 8, "minute": 13}
